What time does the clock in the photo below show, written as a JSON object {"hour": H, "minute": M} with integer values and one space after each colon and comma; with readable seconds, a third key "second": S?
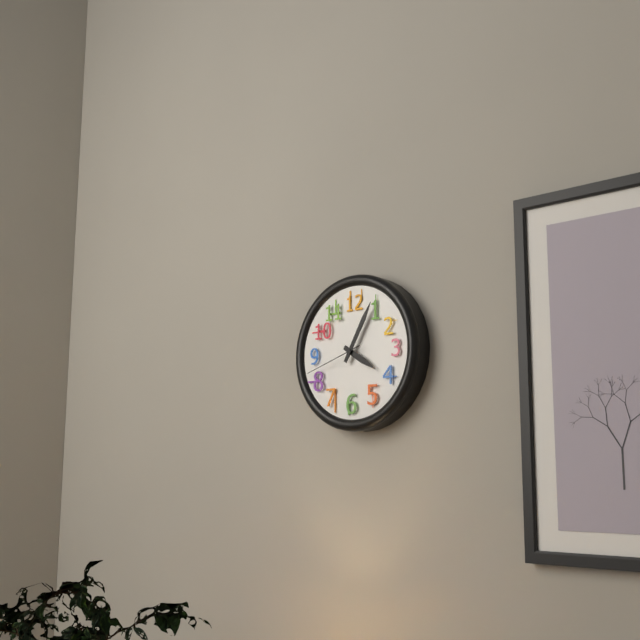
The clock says {"hour": 4, "minute": 5, "second": 42}
